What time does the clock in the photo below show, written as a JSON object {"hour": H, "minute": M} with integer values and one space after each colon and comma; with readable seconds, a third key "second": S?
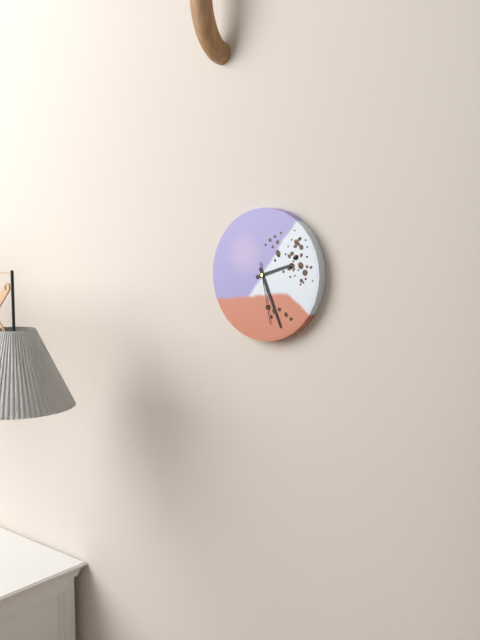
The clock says {"hour": 2, "minute": 26, "second": 28}
